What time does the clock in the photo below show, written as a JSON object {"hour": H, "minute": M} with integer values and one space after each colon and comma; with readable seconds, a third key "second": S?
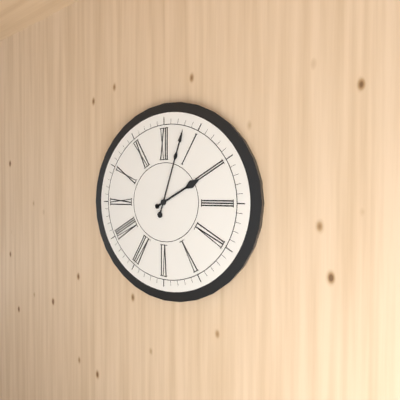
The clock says {"hour": 2, "minute": 3}
